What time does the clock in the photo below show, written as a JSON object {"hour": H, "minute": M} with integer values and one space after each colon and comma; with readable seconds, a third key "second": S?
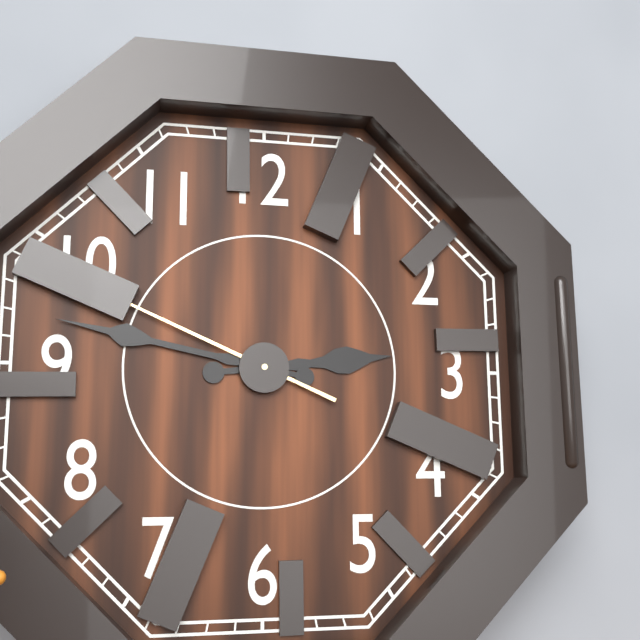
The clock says {"hour": 2, "minute": 47}
